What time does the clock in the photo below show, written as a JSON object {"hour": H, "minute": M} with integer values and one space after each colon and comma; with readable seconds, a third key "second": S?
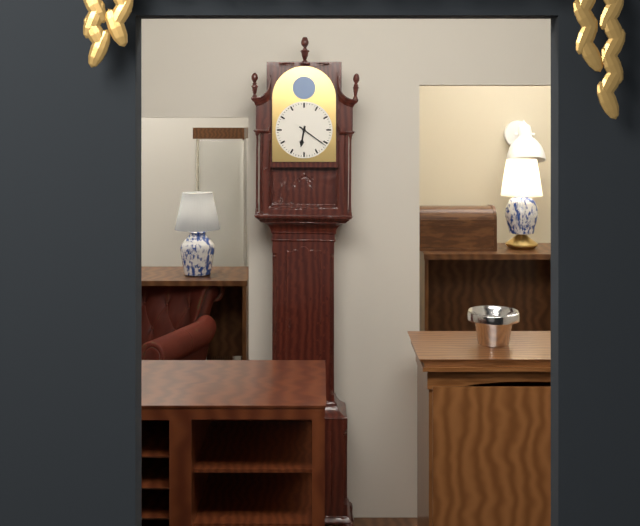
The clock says {"hour": 6, "minute": 21}
